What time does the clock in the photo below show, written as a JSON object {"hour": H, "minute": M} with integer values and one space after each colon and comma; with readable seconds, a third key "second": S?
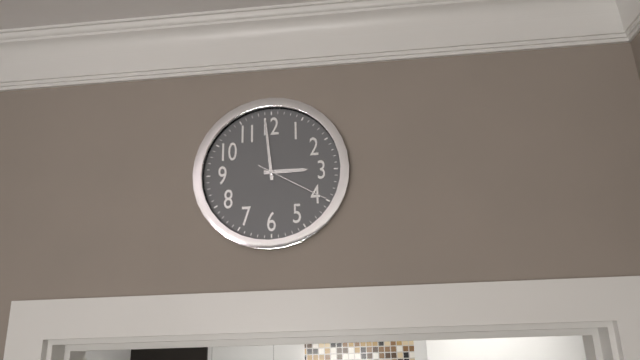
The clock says {"hour": 2, "minute": 59, "second": 20}
